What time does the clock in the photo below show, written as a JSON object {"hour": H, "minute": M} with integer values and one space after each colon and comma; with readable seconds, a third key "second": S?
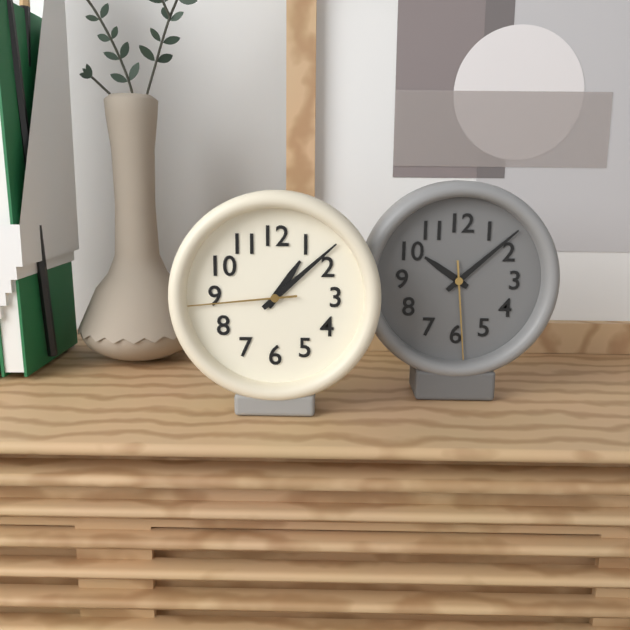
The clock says {"hour": 1, "minute": 8, "second": 44}
